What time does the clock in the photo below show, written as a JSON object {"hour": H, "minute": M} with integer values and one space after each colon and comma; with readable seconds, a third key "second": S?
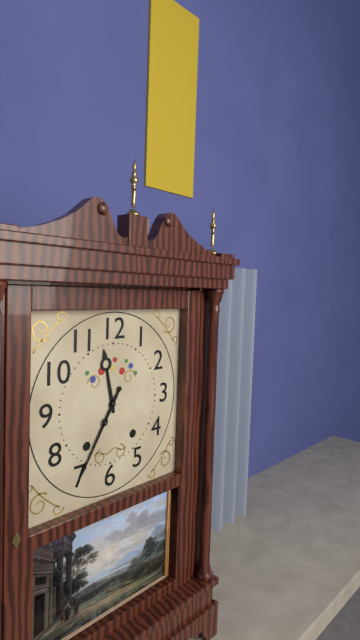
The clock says {"hour": 11, "minute": 35}
